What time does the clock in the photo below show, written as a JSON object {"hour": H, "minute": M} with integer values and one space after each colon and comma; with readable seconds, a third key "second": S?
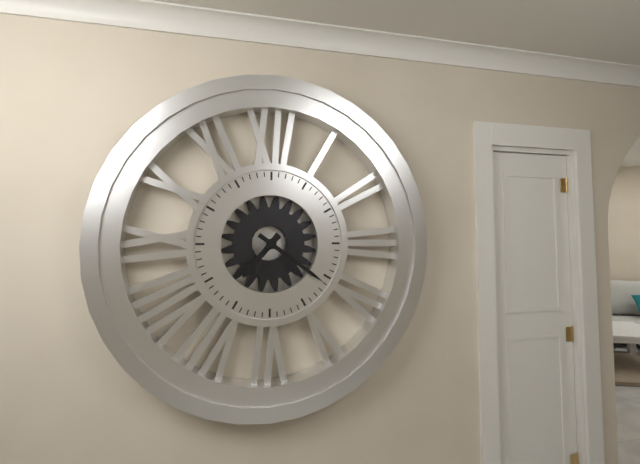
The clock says {"hour": 7, "minute": 21}
